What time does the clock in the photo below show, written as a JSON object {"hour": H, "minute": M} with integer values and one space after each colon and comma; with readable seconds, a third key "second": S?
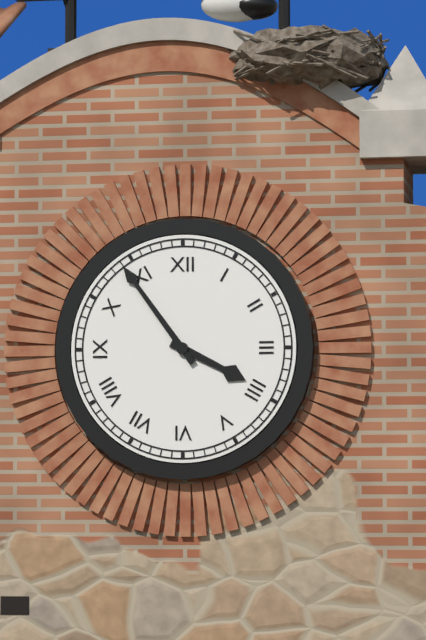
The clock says {"hour": 3, "minute": 54}
